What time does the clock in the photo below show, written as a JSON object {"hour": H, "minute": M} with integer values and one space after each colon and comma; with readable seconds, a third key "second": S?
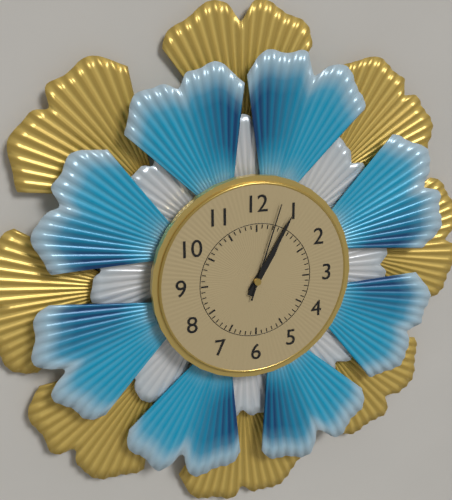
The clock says {"hour": 1, "minute": 5, "second": 3}
